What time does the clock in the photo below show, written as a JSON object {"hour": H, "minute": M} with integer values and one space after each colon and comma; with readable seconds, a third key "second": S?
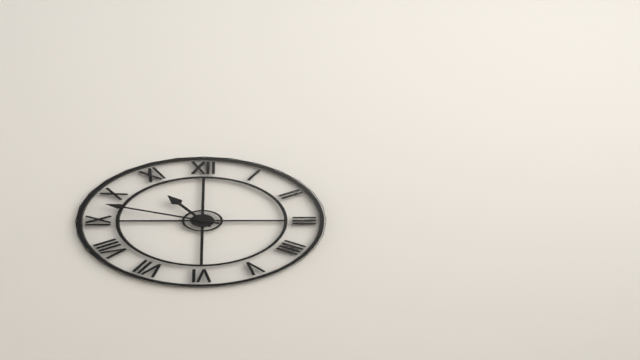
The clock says {"hour": 10, "minute": 48}
